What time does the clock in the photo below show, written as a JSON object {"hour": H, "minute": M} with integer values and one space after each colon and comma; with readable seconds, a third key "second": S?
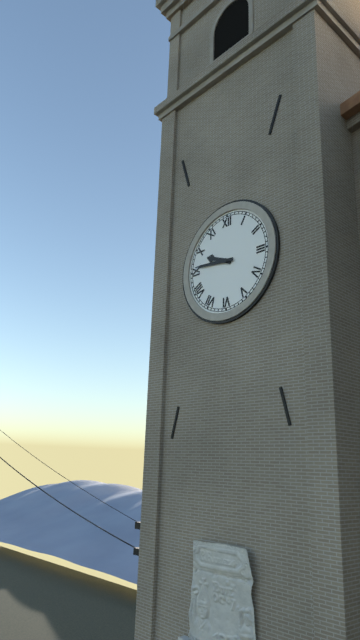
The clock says {"hour": 9, "minute": 46}
